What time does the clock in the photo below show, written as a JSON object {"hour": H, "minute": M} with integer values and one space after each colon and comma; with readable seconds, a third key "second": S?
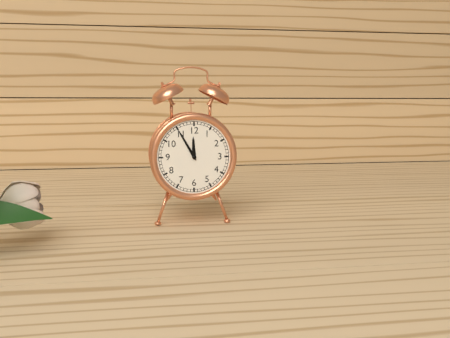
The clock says {"hour": 11, "minute": 55}
